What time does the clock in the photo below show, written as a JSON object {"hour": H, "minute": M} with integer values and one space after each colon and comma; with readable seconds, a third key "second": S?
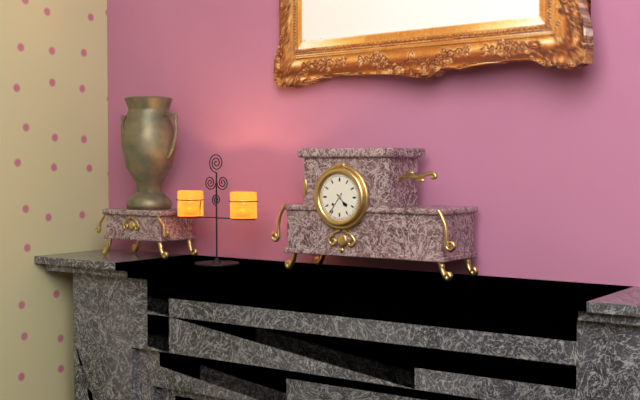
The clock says {"hour": 4, "minute": 36}
